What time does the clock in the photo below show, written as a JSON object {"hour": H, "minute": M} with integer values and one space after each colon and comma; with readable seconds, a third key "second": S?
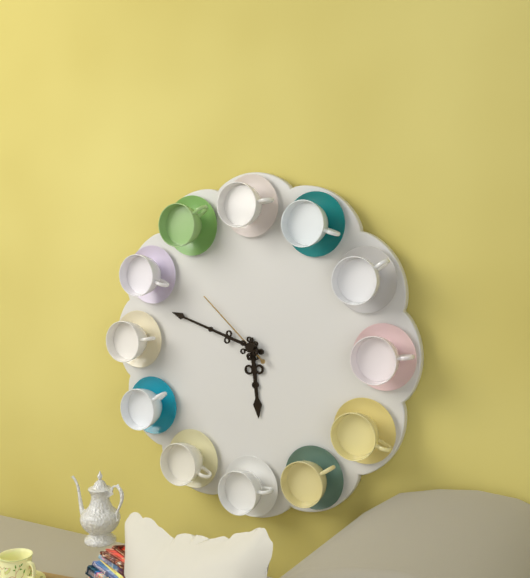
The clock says {"hour": 5, "minute": 48, "second": 52}
